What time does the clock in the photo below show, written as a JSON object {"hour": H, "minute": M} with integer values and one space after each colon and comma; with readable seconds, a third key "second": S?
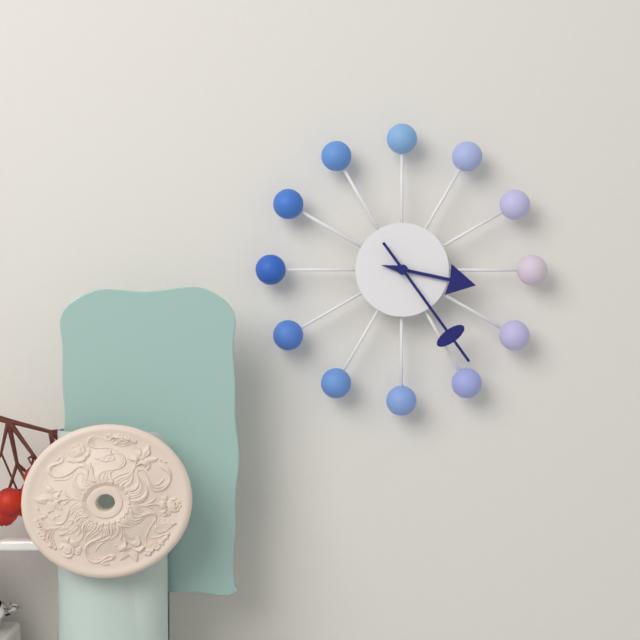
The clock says {"hour": 3, "minute": 24}
